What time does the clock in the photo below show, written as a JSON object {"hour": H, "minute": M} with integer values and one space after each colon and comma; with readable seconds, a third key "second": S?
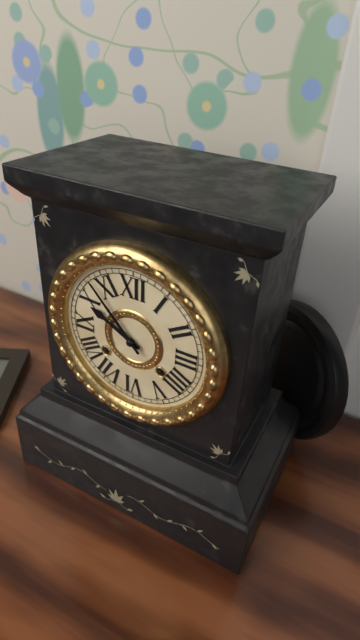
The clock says {"hour": 9, "minute": 53}
